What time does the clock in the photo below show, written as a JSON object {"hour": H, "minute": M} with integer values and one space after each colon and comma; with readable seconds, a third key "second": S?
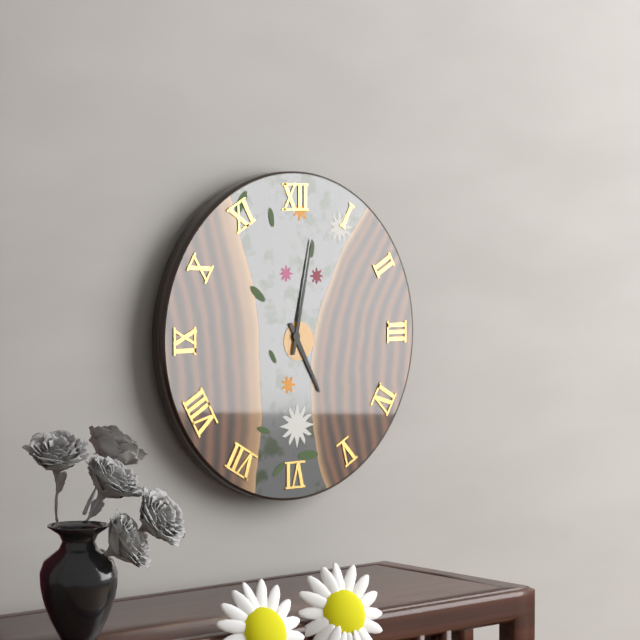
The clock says {"hour": 5, "minute": 2}
